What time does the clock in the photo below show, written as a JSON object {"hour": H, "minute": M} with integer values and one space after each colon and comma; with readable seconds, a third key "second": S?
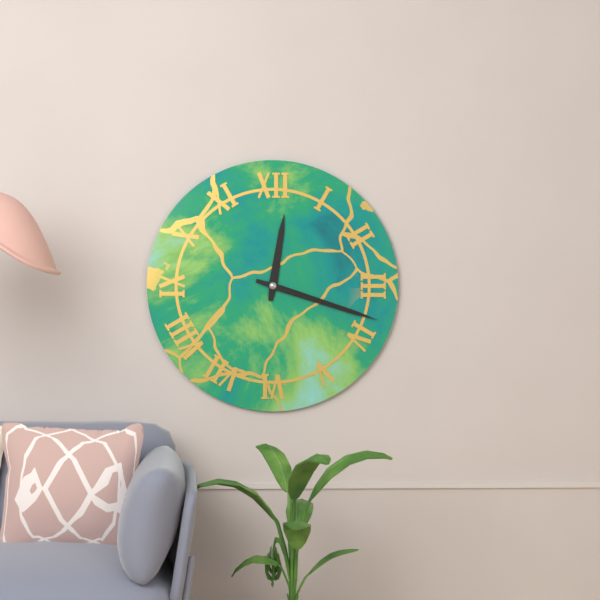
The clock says {"hour": 12, "minute": 18}
